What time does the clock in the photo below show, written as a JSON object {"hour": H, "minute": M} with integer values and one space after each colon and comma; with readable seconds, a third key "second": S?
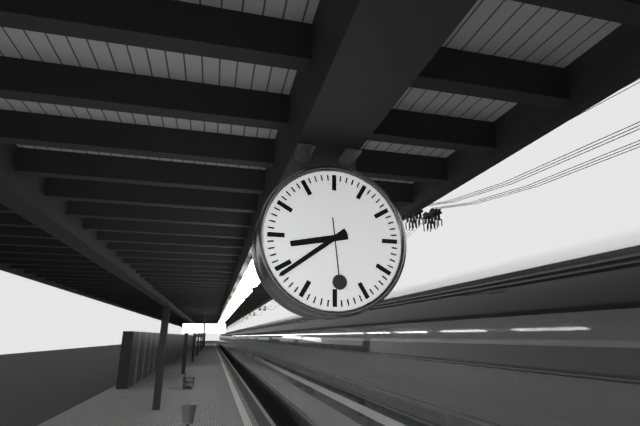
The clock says {"hour": 8, "minute": 39, "second": 29}
